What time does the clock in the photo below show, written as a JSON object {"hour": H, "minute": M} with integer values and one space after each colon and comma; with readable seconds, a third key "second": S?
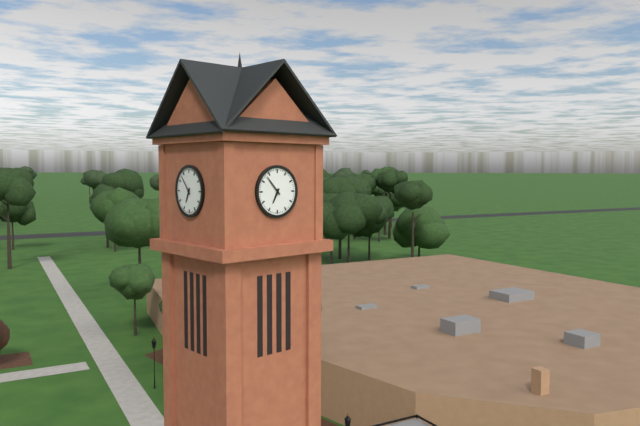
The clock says {"hour": 6, "minute": 53}
